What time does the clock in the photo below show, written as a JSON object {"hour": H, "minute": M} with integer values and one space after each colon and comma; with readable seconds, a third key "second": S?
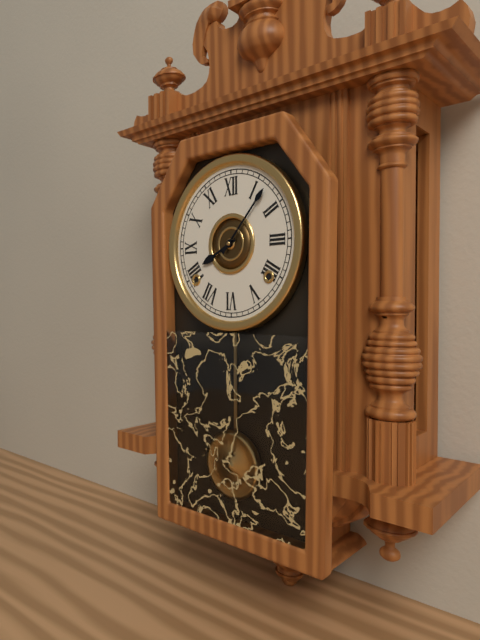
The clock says {"hour": 8, "minute": 7}
